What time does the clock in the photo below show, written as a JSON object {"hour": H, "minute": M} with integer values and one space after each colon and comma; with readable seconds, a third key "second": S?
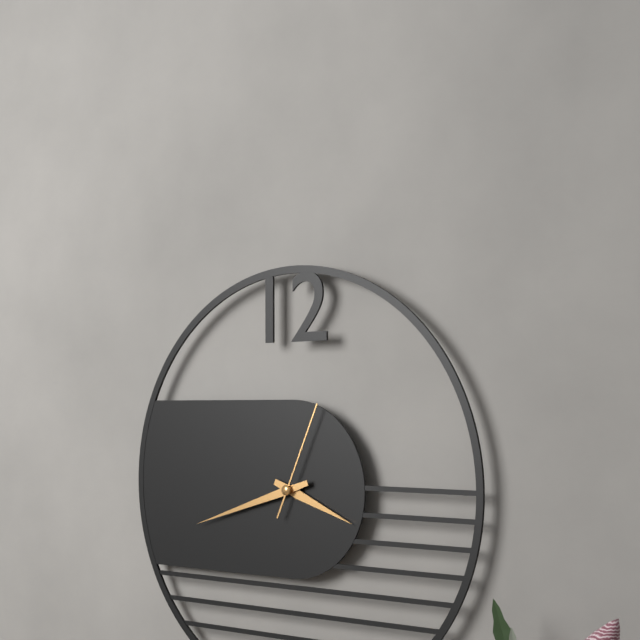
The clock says {"hour": 3, "minute": 42, "second": 4}
